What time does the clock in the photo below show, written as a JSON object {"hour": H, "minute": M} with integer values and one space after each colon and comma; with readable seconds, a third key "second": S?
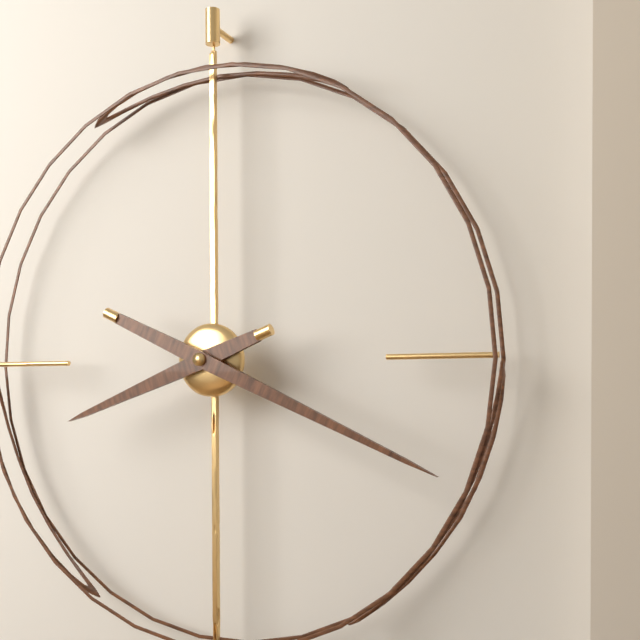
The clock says {"hour": 8, "minute": 19}
